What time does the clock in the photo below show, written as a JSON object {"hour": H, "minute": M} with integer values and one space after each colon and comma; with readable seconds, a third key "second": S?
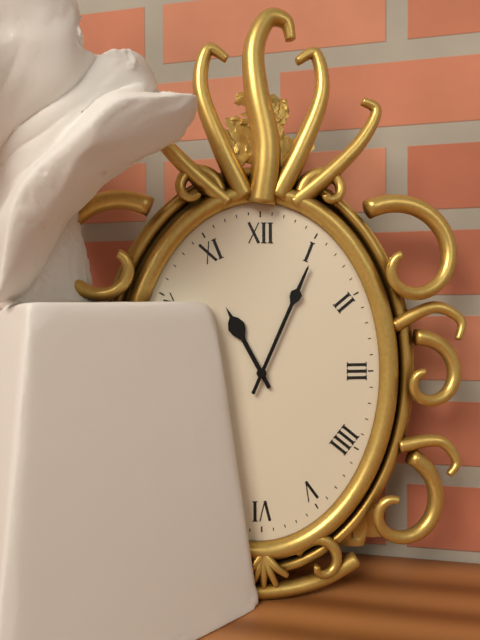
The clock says {"hour": 11, "minute": 4}
